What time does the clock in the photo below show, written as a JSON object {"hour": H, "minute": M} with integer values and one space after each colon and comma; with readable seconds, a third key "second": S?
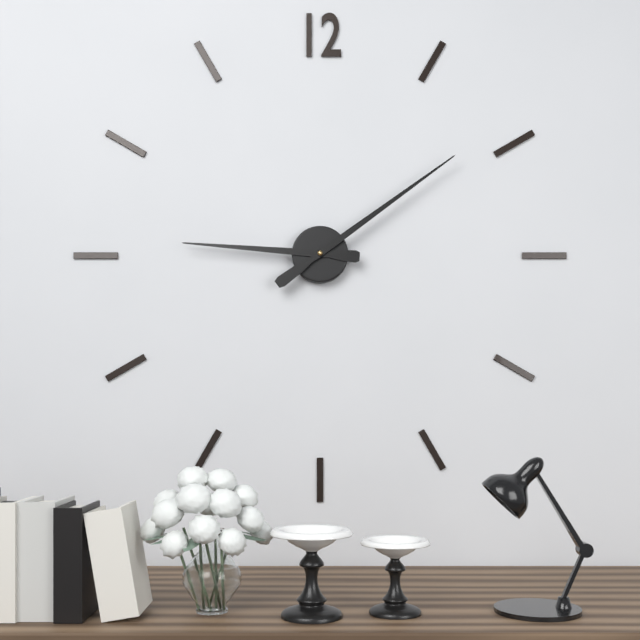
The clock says {"hour": 9, "minute": 9}
